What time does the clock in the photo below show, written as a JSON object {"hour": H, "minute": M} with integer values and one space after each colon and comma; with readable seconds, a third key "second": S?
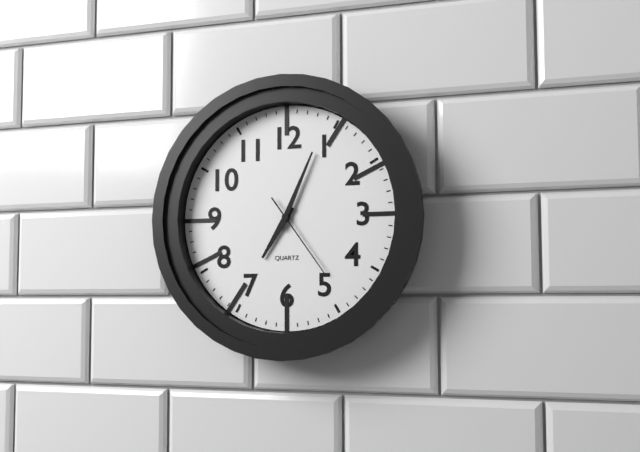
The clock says {"hour": 7, "minute": 4, "second": 24}
